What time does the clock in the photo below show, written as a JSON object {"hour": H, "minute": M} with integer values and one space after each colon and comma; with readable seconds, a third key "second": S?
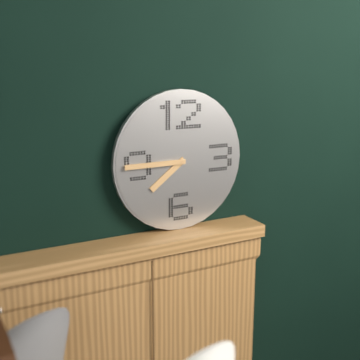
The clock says {"hour": 7, "minute": 45}
